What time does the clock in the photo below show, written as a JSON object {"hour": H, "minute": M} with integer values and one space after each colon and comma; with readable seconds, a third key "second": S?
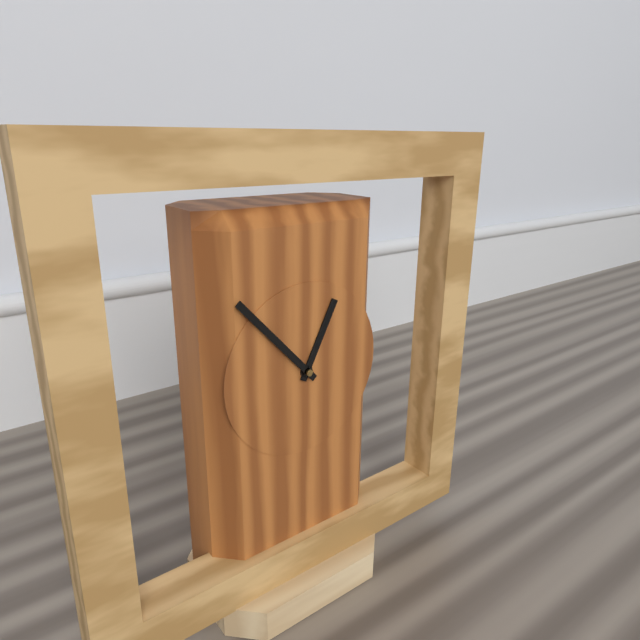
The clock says {"hour": 12, "minute": 53}
